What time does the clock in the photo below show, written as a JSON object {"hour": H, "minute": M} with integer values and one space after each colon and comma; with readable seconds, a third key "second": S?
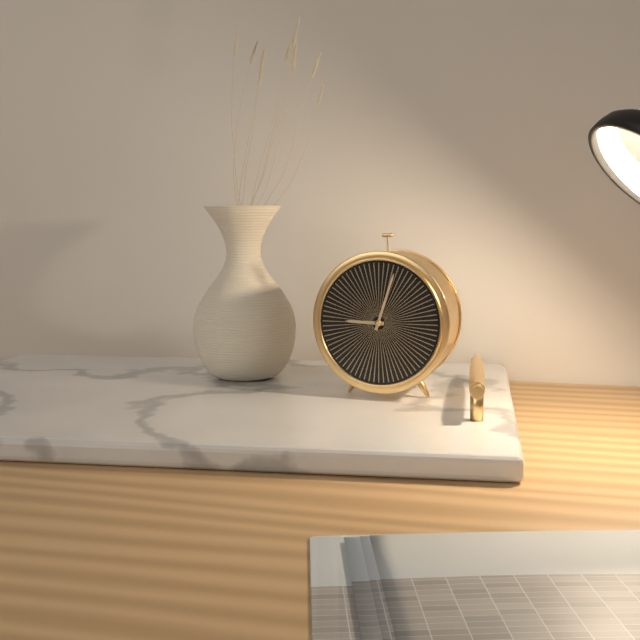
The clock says {"hour": 9, "minute": 3}
